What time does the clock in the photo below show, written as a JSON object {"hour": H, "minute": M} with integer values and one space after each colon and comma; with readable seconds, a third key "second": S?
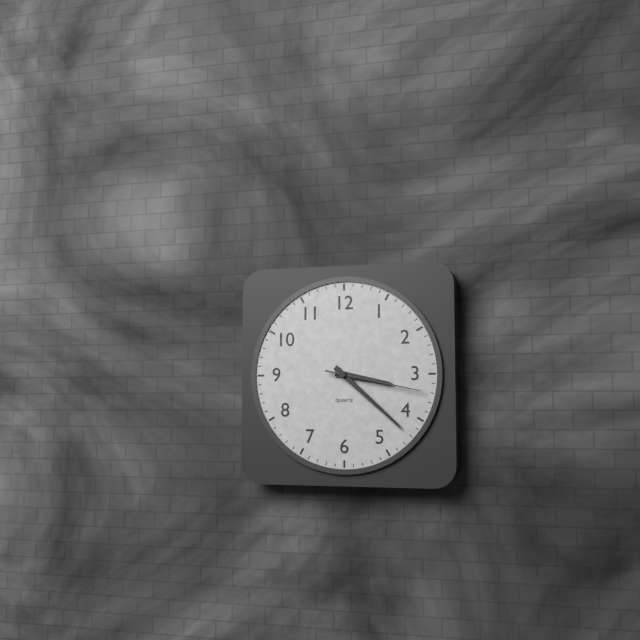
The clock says {"hour": 3, "minute": 22, "second": 17}
